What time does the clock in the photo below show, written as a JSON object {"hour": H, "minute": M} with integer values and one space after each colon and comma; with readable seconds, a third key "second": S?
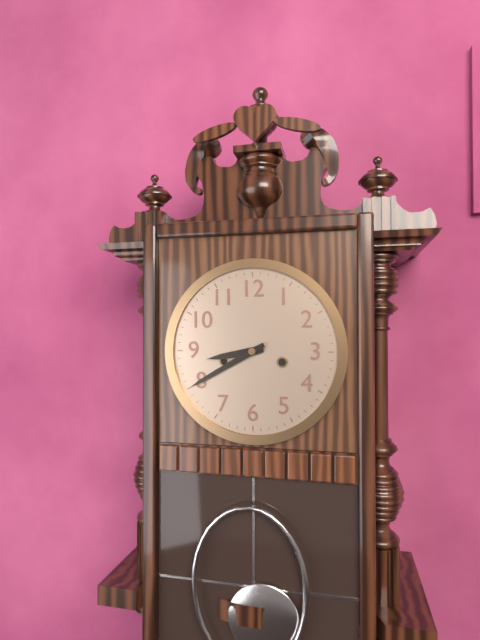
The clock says {"hour": 8, "minute": 40}
